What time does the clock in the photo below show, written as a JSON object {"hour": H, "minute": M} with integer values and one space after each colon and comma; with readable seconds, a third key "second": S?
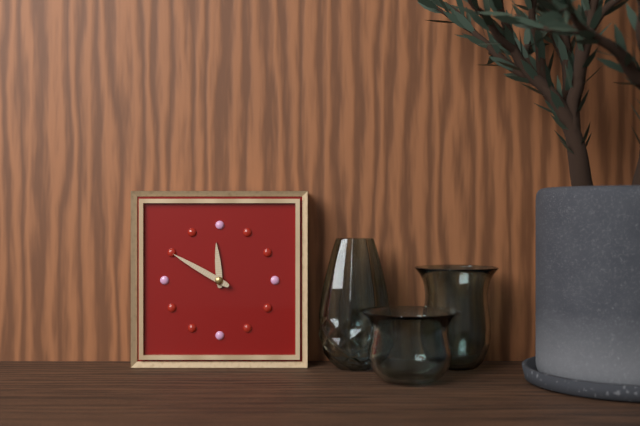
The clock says {"hour": 11, "minute": 50}
